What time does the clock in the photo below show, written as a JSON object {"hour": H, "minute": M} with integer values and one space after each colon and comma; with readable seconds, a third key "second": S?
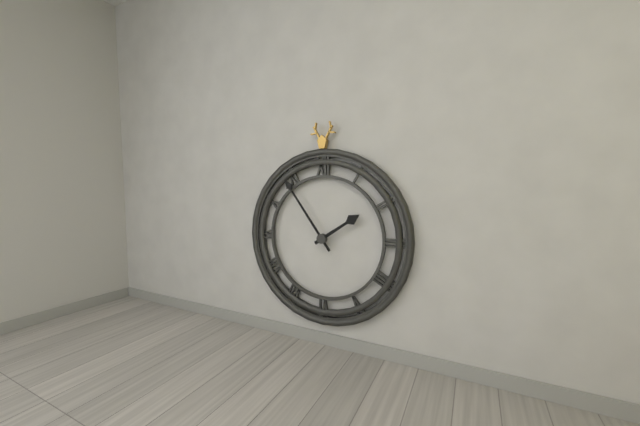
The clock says {"hour": 1, "minute": 54}
